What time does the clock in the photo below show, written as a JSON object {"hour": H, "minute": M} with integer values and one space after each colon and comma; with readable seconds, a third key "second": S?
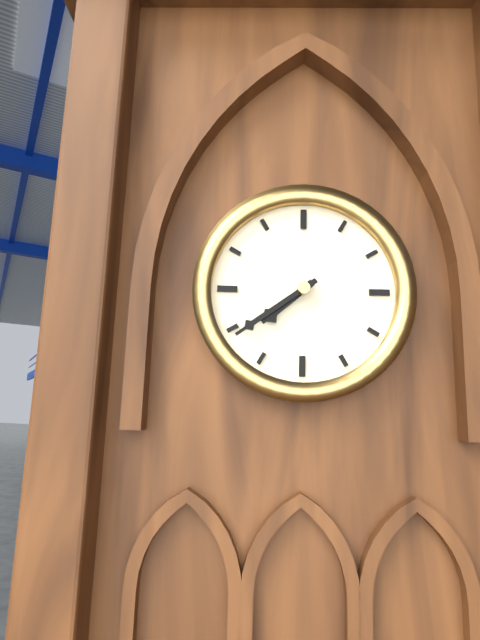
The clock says {"hour": 7, "minute": 39}
